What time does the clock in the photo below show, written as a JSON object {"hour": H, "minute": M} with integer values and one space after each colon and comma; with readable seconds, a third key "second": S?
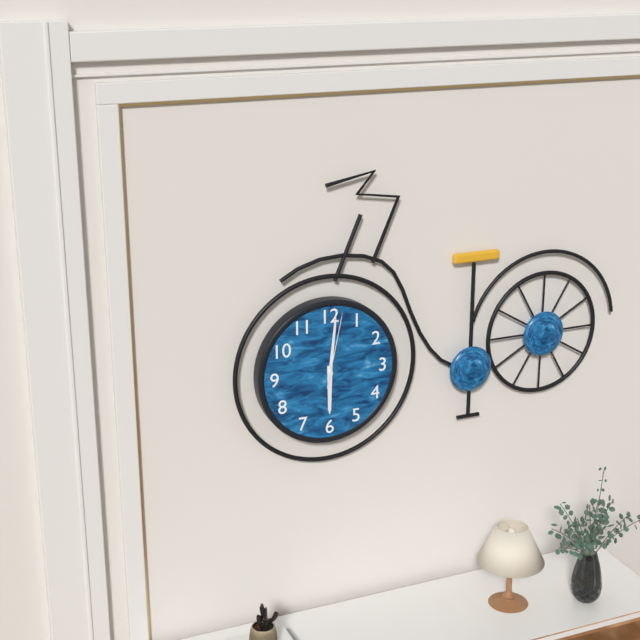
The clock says {"hour": 6, "minute": 1, "second": 2}
